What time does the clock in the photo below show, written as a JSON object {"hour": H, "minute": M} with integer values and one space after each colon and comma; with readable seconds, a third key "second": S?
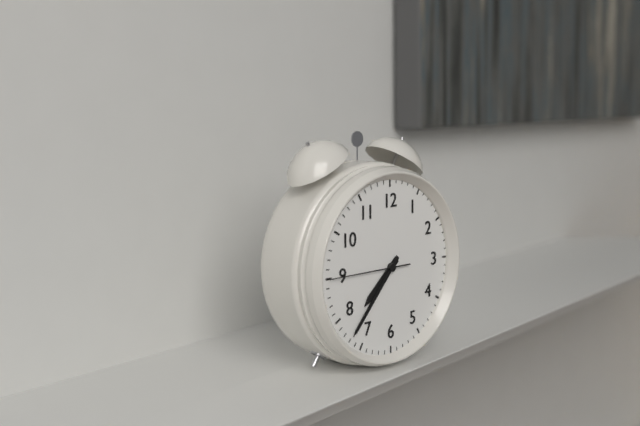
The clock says {"hour": 7, "minute": 37, "second": 45}
